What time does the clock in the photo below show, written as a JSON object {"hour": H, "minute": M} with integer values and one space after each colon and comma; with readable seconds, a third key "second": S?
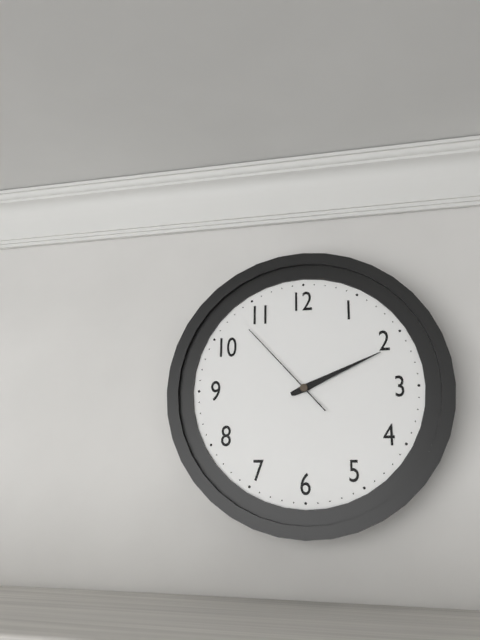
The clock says {"hour": 2, "minute": 11, "second": 53}
